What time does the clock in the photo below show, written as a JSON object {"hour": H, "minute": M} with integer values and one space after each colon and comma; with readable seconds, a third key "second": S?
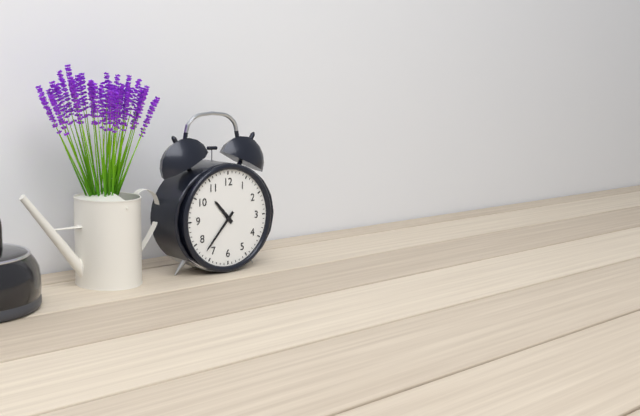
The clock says {"hour": 10, "minute": 37}
